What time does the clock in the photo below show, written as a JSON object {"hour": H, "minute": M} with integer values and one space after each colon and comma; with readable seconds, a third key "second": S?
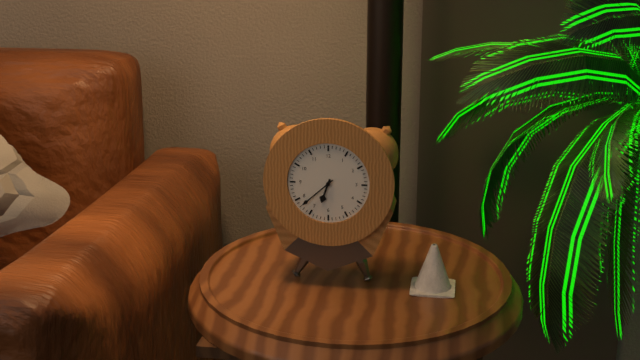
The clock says {"hour": 6, "minute": 38}
